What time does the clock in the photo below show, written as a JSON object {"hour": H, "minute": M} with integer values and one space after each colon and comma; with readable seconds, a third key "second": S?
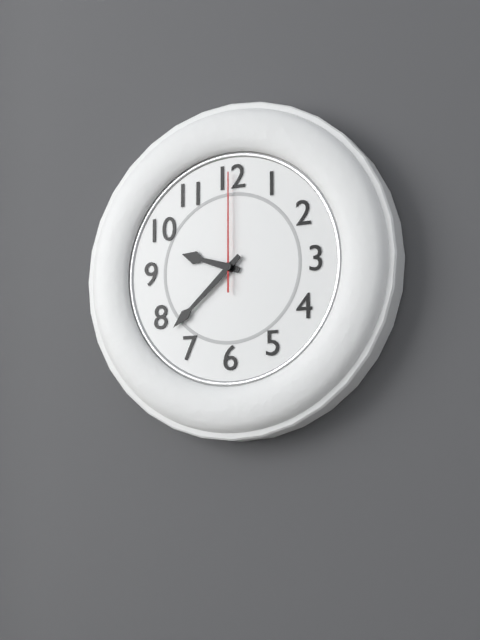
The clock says {"hour": 9, "minute": 38, "second": 0}
